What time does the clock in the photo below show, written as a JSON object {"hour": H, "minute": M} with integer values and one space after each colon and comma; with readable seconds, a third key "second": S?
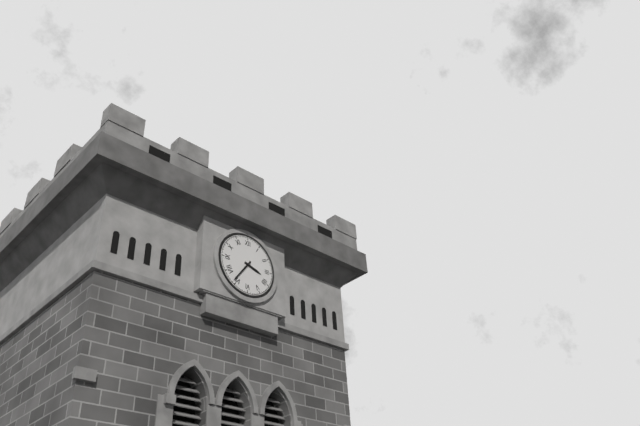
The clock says {"hour": 3, "minute": 36}
